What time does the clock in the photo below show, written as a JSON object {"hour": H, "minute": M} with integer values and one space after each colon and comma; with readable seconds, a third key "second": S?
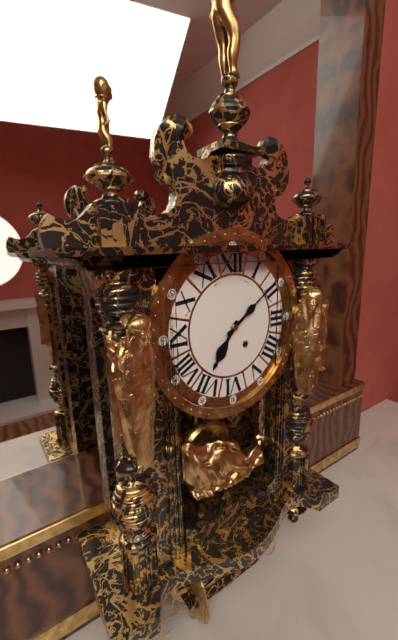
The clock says {"hour": 7, "minute": 9}
